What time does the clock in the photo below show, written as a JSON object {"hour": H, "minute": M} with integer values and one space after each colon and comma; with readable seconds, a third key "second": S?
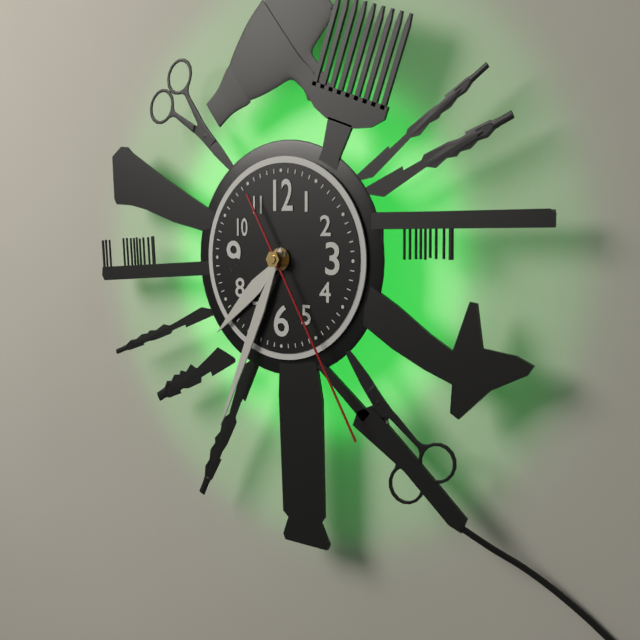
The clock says {"hour": 7, "minute": 34, "second": 25}
